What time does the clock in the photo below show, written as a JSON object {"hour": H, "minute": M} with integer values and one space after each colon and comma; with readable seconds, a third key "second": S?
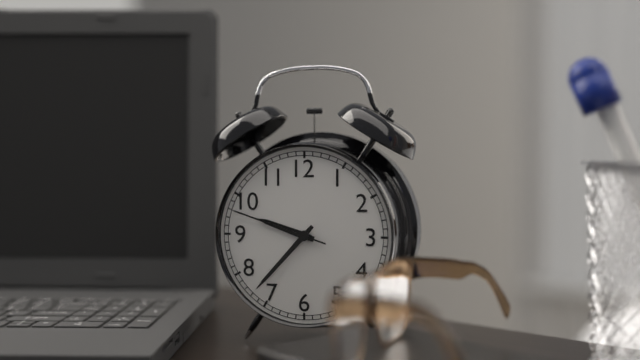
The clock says {"hour": 9, "minute": 37, "second": 48}
